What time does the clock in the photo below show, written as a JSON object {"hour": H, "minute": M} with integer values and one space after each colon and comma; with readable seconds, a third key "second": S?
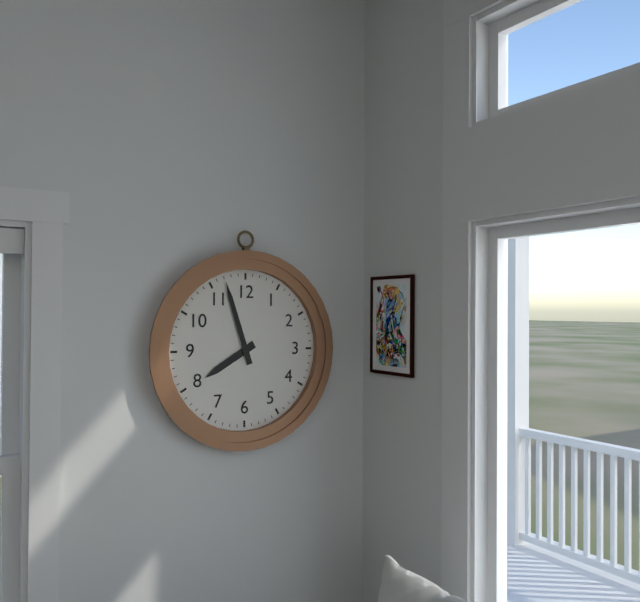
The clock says {"hour": 7, "minute": 57}
